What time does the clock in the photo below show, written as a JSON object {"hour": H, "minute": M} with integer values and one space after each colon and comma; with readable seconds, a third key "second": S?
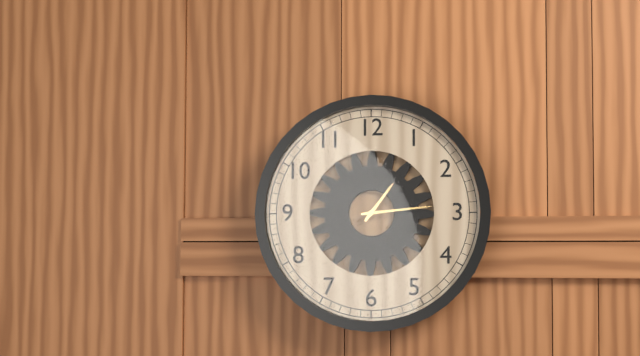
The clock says {"hour": 1, "minute": 14}
